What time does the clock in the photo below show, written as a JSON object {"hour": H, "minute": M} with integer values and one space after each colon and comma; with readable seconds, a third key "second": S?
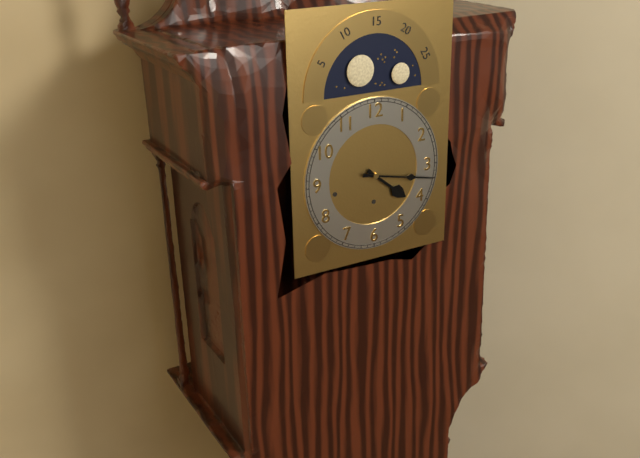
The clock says {"hour": 4, "minute": 17}
